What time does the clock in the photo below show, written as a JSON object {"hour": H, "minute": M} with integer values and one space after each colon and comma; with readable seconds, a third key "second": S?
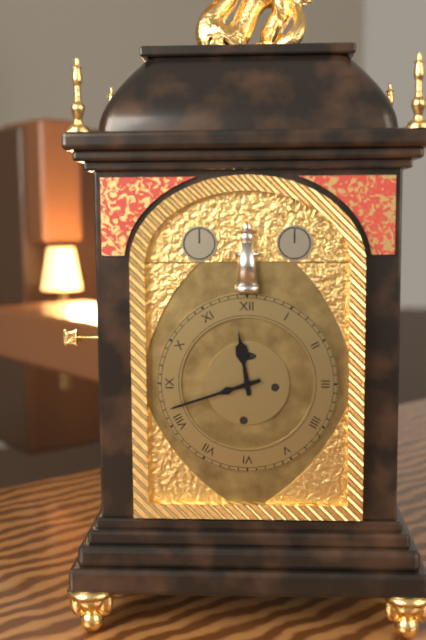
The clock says {"hour": 11, "minute": 42}
